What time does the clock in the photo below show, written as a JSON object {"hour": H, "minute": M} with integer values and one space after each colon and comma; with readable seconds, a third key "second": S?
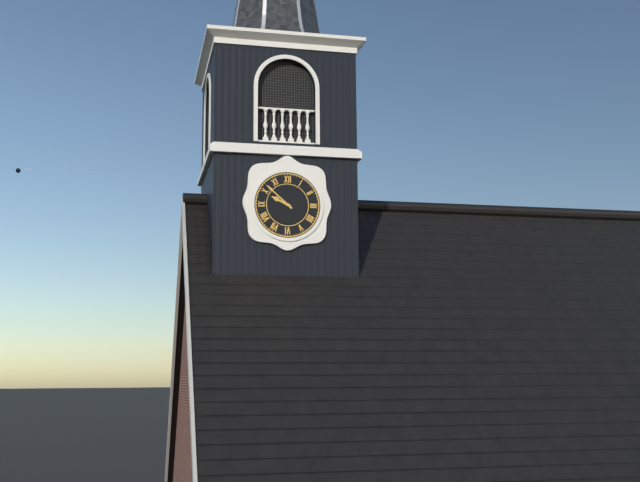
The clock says {"hour": 9, "minute": 52}
